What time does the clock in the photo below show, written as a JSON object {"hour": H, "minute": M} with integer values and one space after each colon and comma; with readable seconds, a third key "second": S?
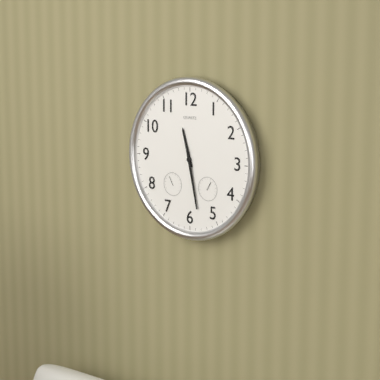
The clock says {"hour": 11, "minute": 28}
